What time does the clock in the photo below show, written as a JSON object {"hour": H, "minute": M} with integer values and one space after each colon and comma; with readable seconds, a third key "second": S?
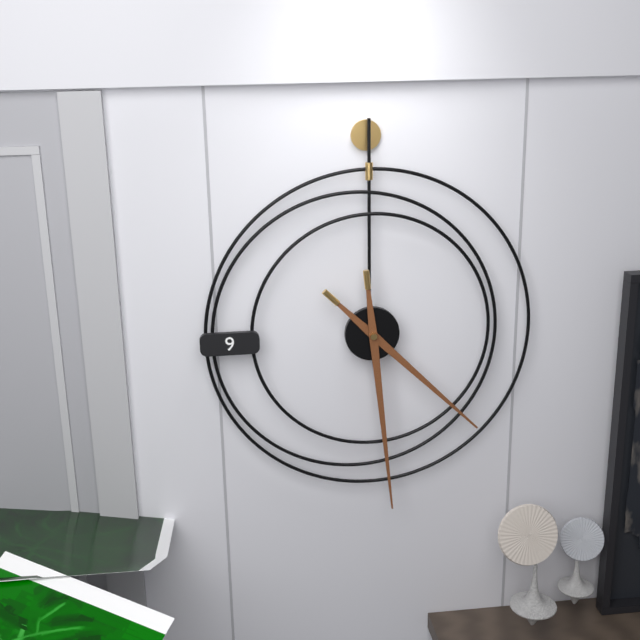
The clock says {"hour": 4, "minute": 29}
